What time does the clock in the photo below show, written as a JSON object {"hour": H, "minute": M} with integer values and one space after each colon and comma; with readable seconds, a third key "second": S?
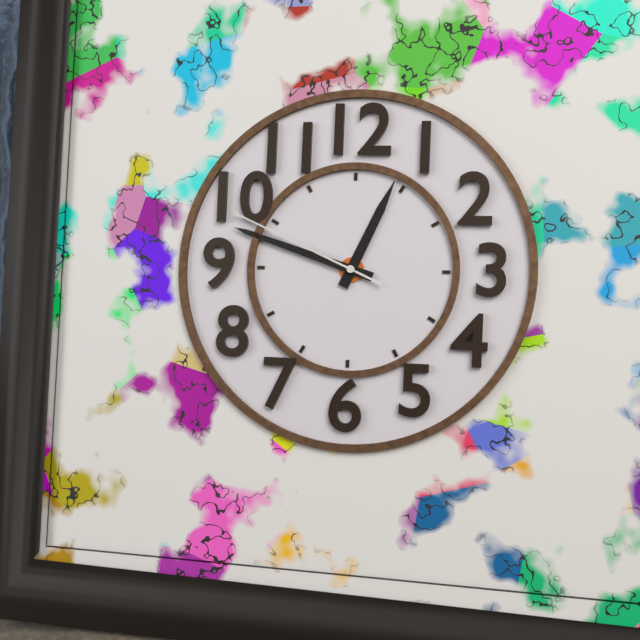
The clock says {"hour": 12, "minute": 48, "second": 49}
